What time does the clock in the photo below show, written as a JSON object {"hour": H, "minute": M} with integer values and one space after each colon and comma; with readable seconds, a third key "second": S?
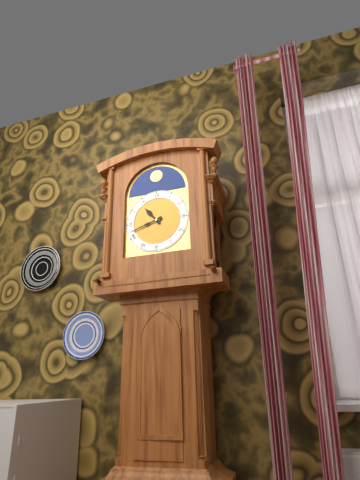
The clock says {"hour": 10, "minute": 42}
